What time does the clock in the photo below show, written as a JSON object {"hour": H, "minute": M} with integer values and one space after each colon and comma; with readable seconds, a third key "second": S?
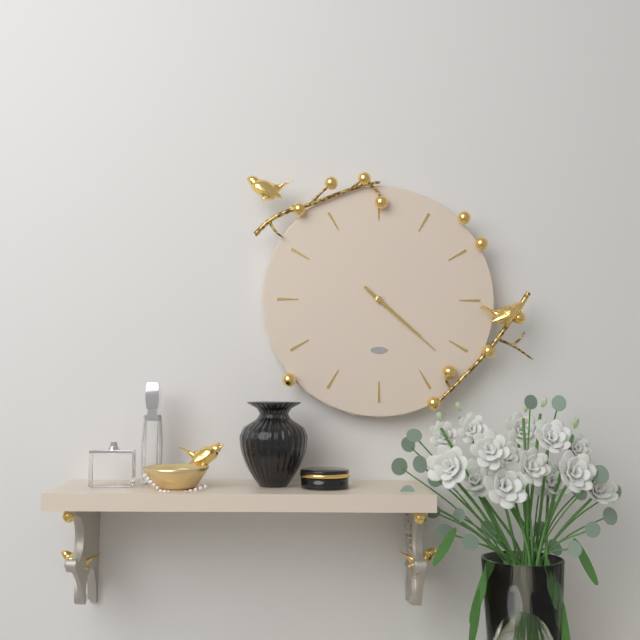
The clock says {"hour": 4, "minute": 22}
